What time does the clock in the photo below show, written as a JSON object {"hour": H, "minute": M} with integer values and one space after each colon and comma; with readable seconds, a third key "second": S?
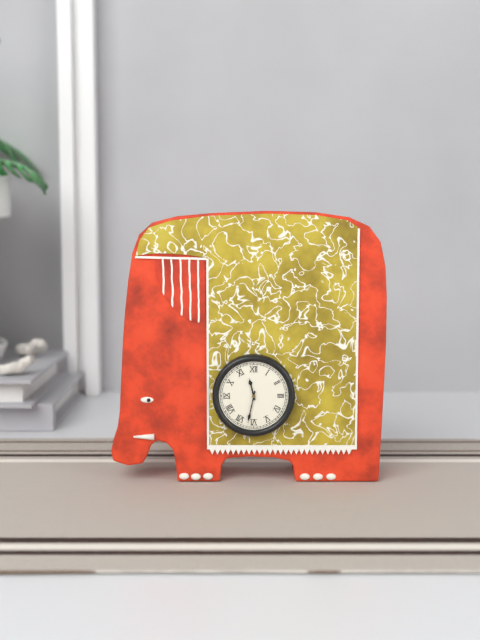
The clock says {"hour": 11, "minute": 32}
